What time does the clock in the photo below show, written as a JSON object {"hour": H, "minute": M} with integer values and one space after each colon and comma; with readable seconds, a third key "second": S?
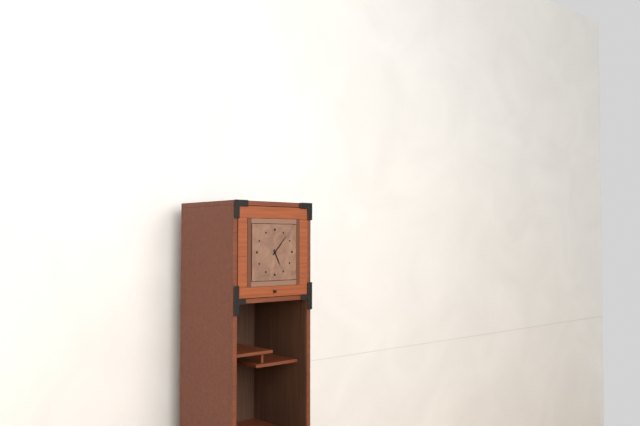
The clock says {"hour": 5, "minute": 7}
